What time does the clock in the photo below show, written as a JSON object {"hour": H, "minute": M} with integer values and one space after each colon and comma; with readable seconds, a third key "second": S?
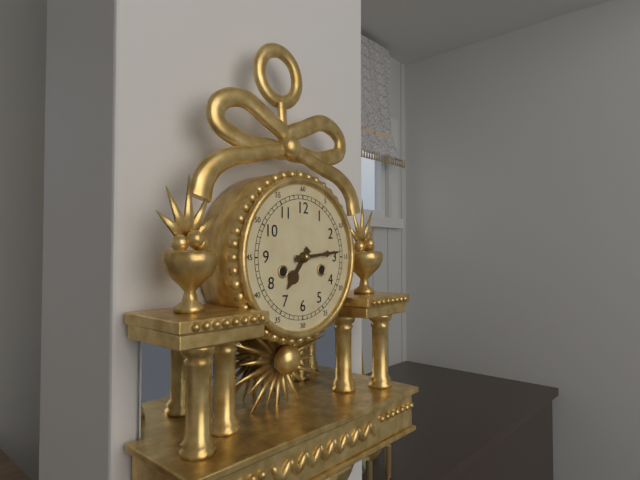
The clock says {"hour": 7, "minute": 14}
